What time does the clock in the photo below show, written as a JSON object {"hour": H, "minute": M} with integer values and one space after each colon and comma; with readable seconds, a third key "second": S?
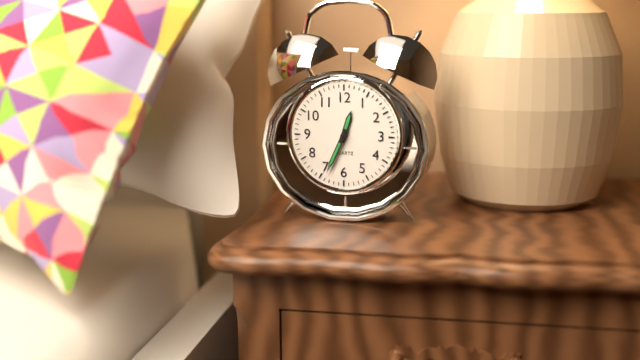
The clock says {"hour": 12, "minute": 34}
